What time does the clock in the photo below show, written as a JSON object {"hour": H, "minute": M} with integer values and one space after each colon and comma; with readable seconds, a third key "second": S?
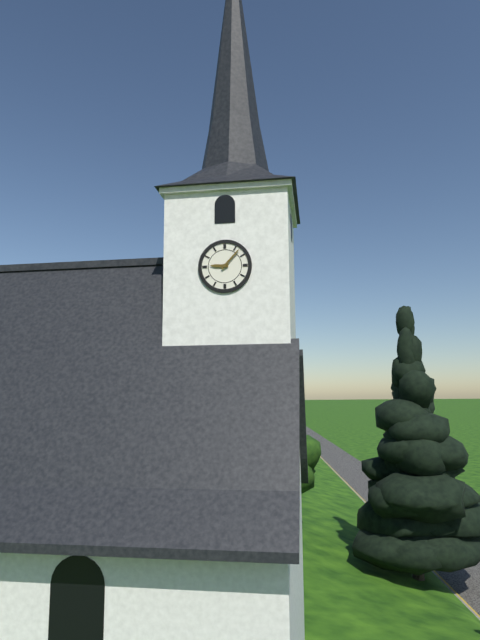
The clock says {"hour": 9, "minute": 7}
